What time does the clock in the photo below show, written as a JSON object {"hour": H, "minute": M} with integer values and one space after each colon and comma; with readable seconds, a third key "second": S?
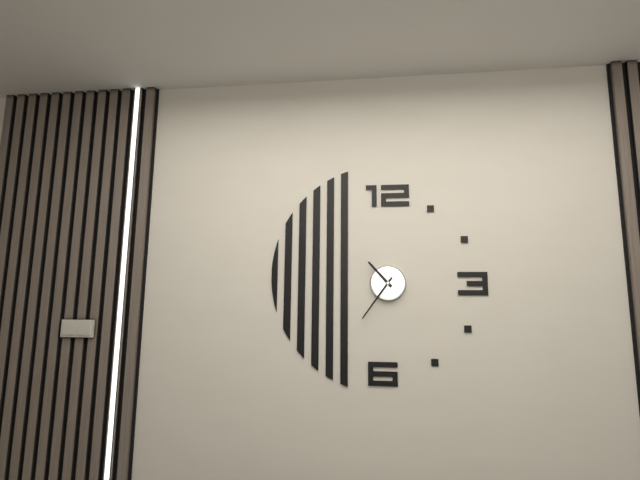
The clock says {"hour": 10, "minute": 36}
